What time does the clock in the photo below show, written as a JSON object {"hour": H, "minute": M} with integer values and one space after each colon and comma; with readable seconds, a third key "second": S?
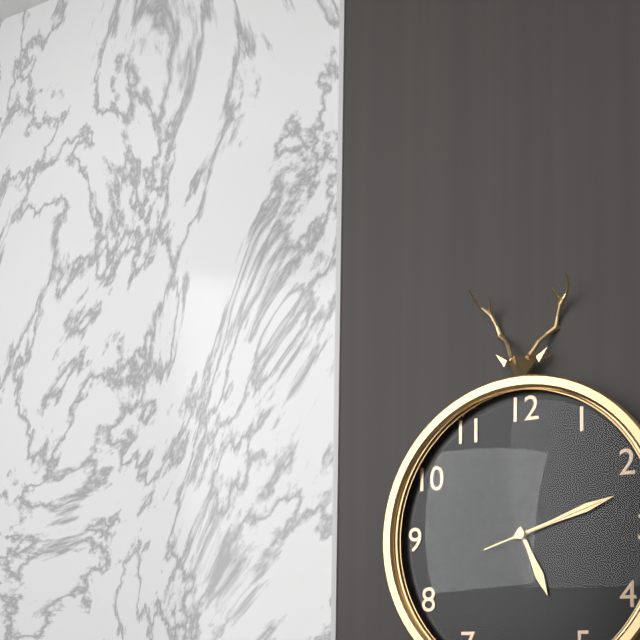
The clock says {"hour": 5, "minute": 12, "second": 12}
